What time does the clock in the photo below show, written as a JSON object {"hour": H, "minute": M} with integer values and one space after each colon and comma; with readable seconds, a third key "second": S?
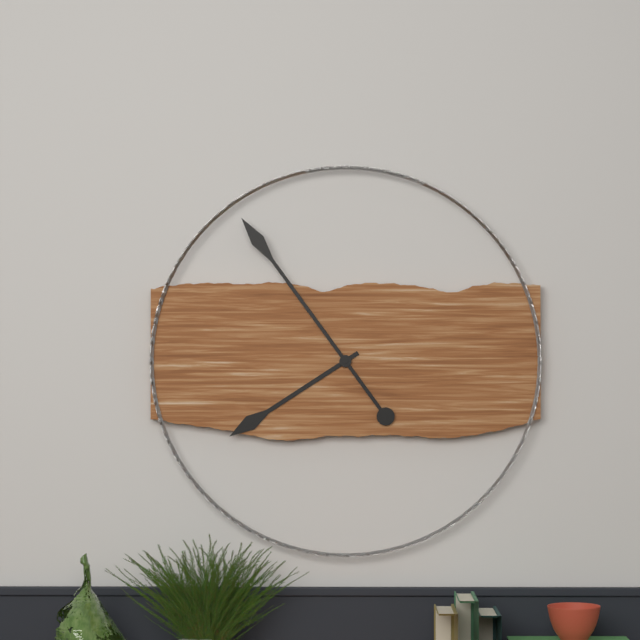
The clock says {"hour": 7, "minute": 54}
